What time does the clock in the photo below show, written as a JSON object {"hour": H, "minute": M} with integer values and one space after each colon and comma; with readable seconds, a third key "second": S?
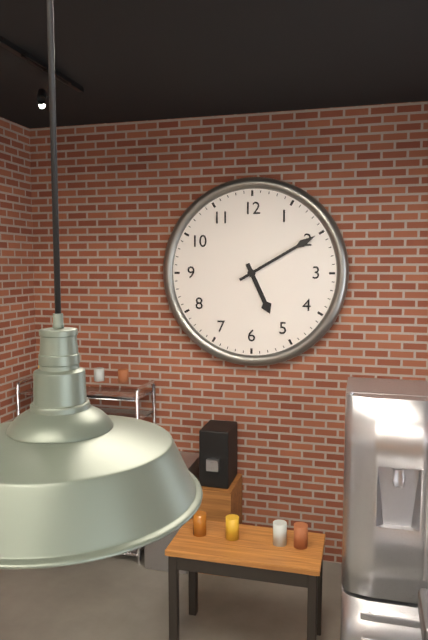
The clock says {"hour": 5, "minute": 10}
